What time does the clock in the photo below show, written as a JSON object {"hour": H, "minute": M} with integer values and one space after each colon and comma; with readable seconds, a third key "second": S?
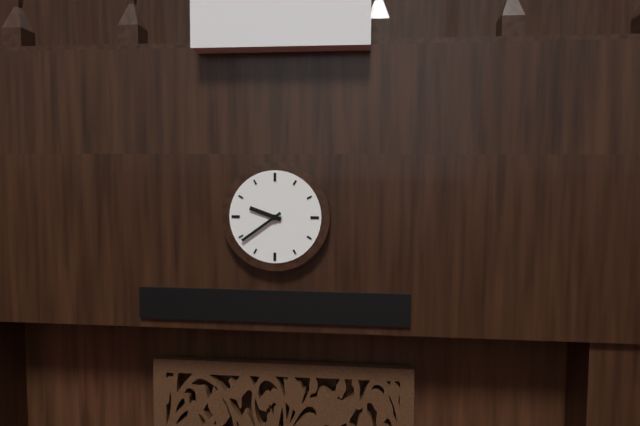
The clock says {"hour": 9, "minute": 39}
